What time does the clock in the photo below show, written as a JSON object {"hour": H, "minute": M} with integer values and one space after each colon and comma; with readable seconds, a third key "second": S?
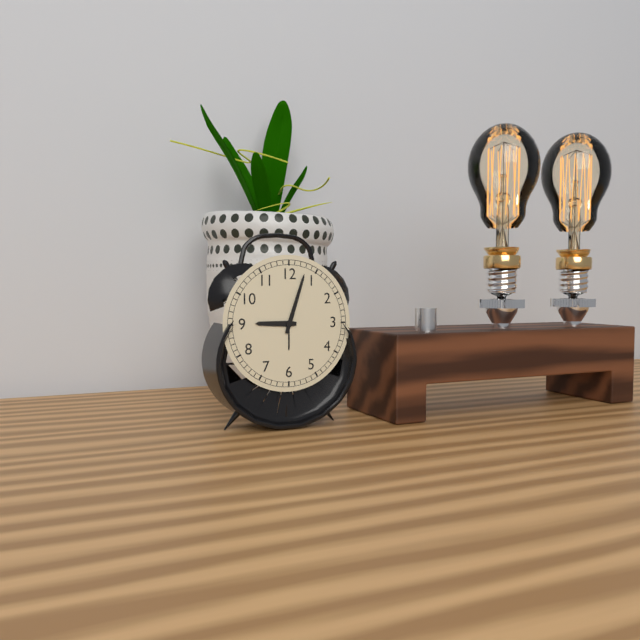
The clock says {"hour": 9, "minute": 3}
